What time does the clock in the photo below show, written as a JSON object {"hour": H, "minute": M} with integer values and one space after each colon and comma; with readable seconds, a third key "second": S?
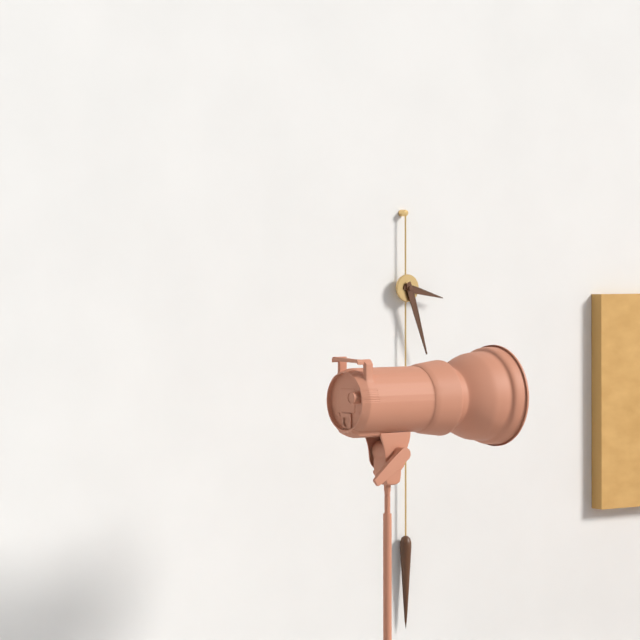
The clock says {"hour": 3, "minute": 27}
